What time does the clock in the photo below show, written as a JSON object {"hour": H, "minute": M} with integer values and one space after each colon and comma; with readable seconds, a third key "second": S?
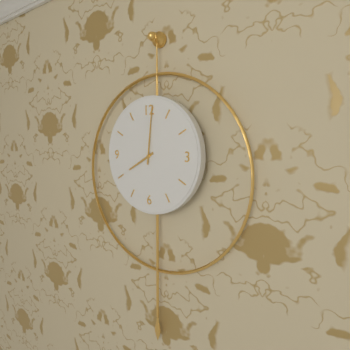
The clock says {"hour": 8, "minute": 1}
